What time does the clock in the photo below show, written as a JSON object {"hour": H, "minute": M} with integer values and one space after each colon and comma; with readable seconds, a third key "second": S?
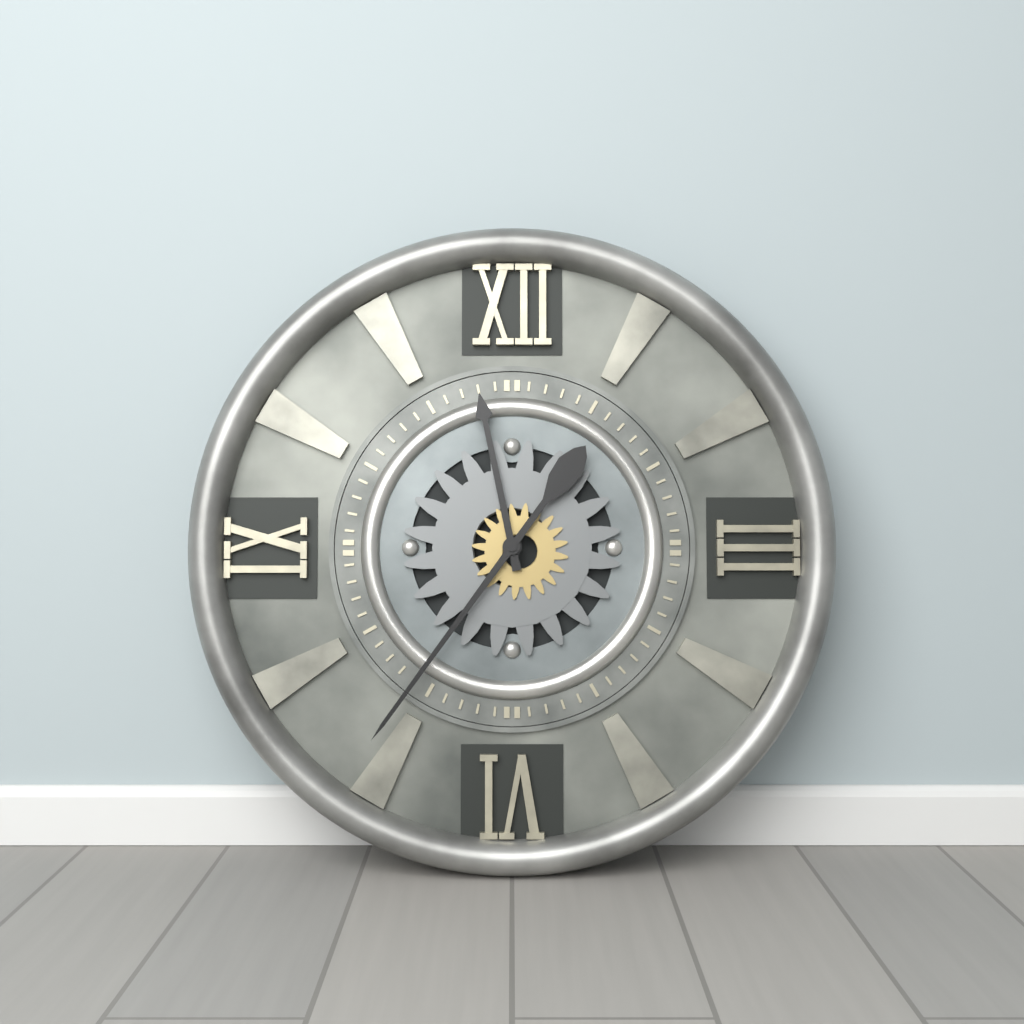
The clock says {"hour": 11, "minute": 36}
